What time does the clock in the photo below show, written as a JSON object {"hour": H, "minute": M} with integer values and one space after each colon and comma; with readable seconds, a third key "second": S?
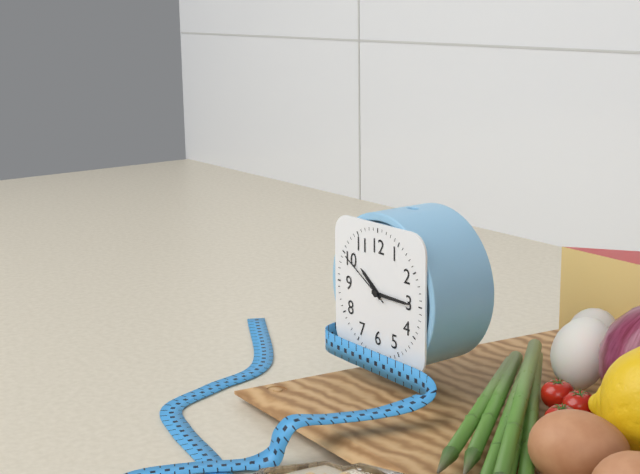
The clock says {"hour": 10, "minute": 15, "second": 50}
